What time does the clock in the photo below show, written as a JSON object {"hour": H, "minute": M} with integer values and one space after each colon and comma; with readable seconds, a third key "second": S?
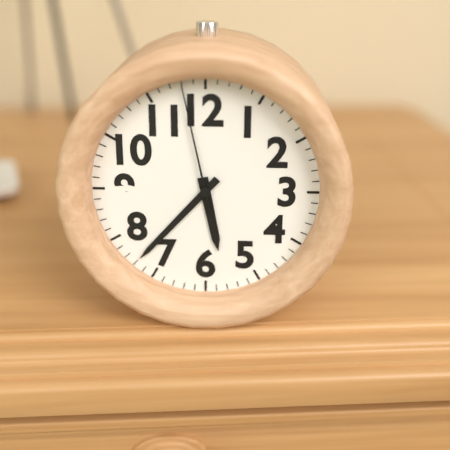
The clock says {"hour": 5, "minute": 37, "second": 58}
